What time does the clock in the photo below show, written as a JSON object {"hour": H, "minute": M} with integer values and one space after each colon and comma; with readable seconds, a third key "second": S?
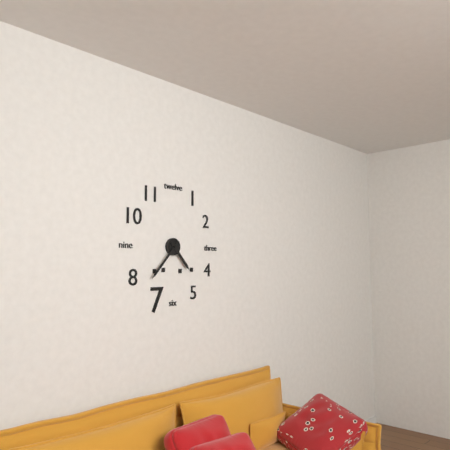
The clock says {"hour": 4, "minute": 37}
